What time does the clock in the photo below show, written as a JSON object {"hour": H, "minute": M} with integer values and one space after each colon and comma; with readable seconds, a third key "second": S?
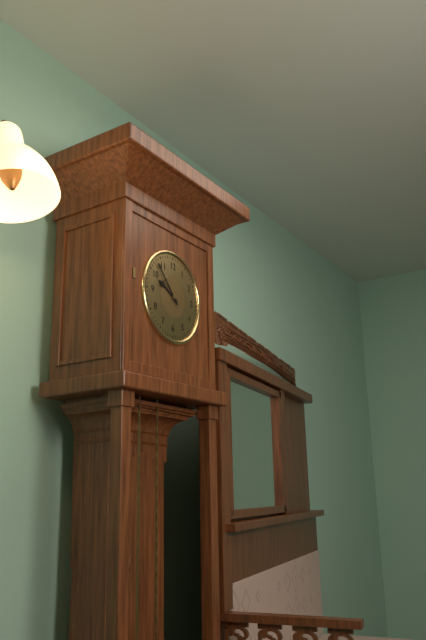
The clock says {"hour": 9, "minute": 53}
